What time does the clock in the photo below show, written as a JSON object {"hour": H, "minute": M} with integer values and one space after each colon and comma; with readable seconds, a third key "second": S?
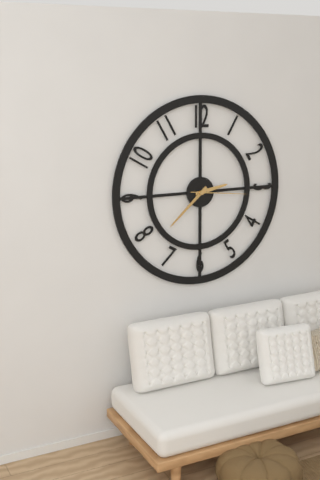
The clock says {"hour": 2, "minute": 38, "second": 16}
